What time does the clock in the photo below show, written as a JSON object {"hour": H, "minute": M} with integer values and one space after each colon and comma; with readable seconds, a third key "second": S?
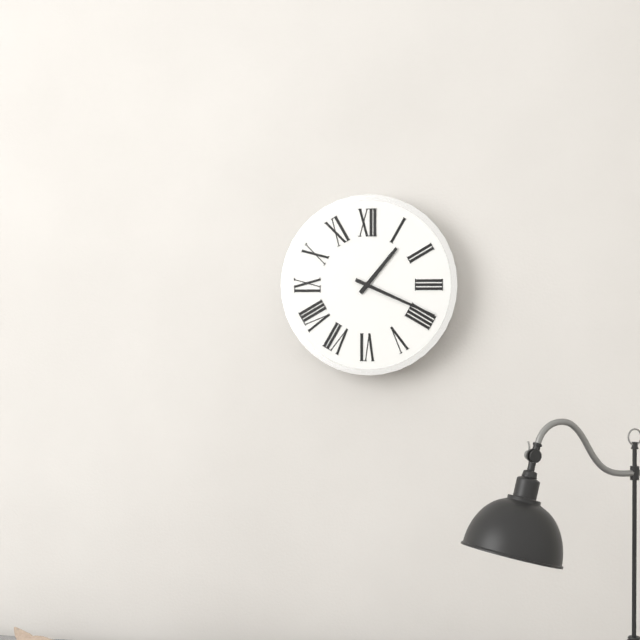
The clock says {"hour": 1, "minute": 19}
